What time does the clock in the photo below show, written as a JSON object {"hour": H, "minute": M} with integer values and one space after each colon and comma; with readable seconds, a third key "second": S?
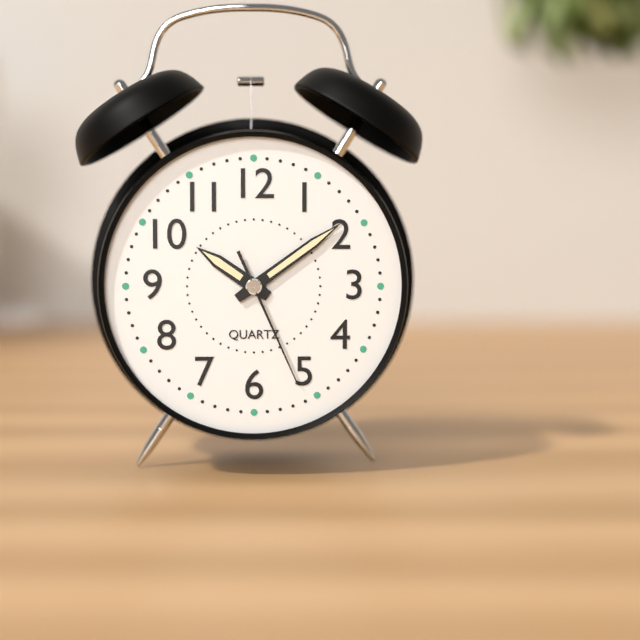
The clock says {"hour": 10, "minute": 9, "second": 26}
